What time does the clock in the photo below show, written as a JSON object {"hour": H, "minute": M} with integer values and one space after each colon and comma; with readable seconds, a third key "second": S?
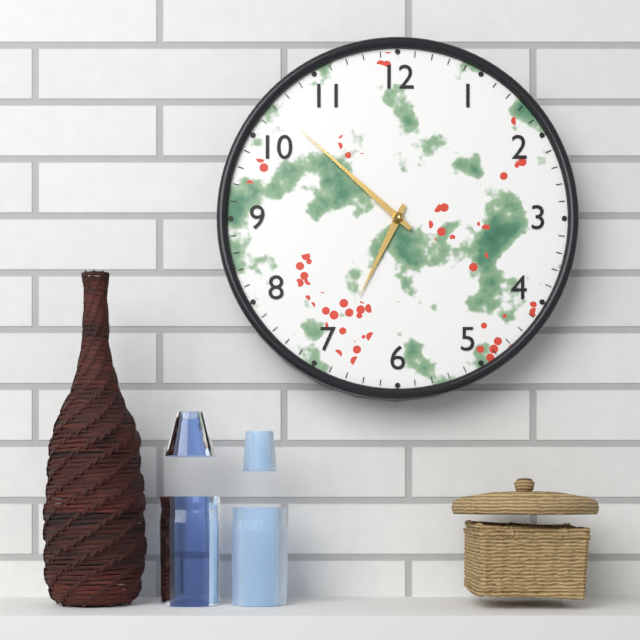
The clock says {"hour": 6, "minute": 52}
